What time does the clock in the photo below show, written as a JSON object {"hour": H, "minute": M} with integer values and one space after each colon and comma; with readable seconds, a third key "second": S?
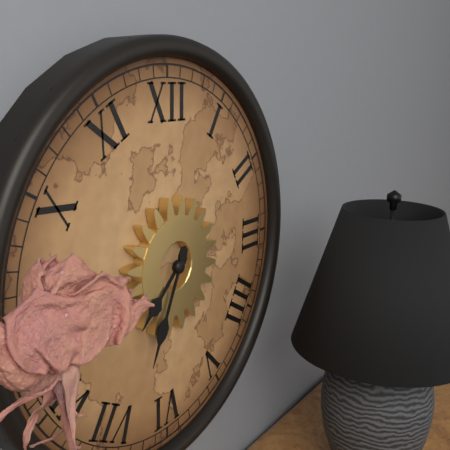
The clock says {"hour": 7, "minute": 34}
